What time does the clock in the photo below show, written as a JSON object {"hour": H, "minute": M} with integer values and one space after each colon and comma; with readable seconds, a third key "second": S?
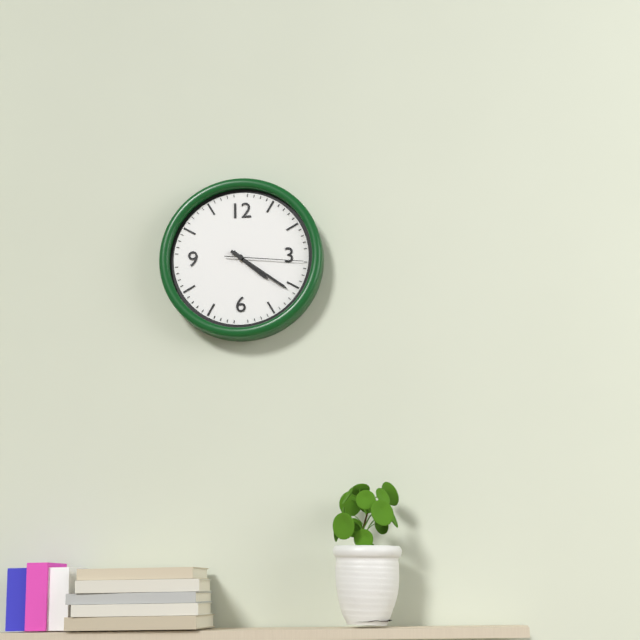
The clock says {"hour": 4, "minute": 21, "second": 16}
